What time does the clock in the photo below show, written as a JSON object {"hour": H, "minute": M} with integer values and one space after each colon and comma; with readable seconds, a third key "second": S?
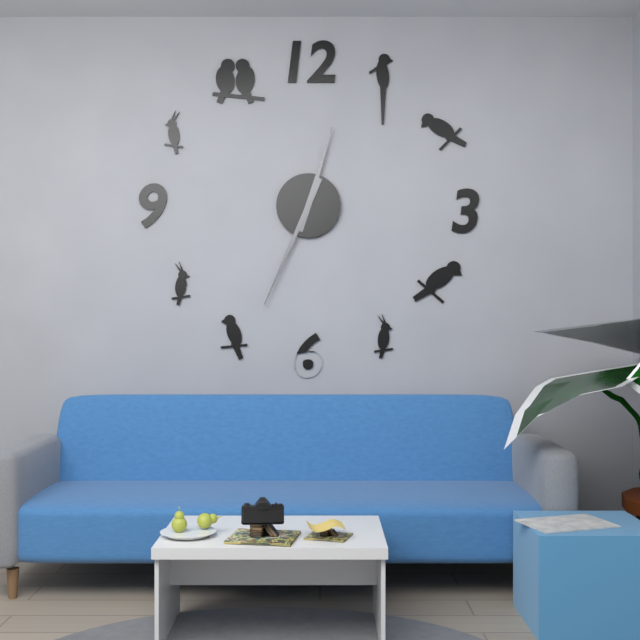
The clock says {"hour": 12, "minute": 34}
